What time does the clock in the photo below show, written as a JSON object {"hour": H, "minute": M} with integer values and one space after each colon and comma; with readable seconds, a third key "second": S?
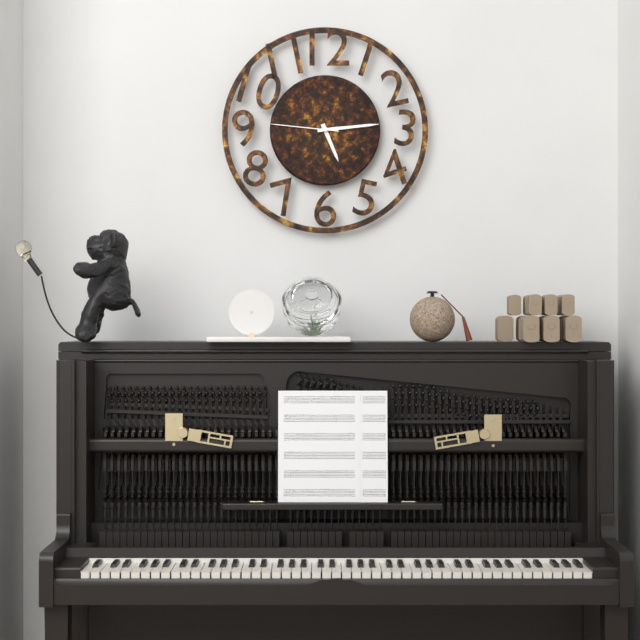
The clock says {"hour": 5, "minute": 14, "second": 46}
